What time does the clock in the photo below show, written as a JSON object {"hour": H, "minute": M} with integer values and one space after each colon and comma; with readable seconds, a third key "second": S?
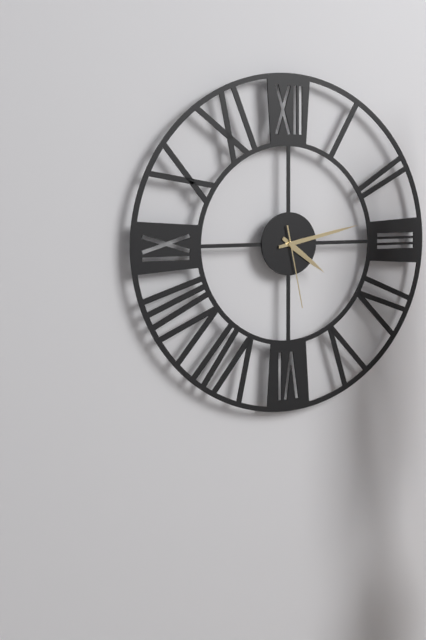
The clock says {"hour": 4, "minute": 13, "second": 28}
